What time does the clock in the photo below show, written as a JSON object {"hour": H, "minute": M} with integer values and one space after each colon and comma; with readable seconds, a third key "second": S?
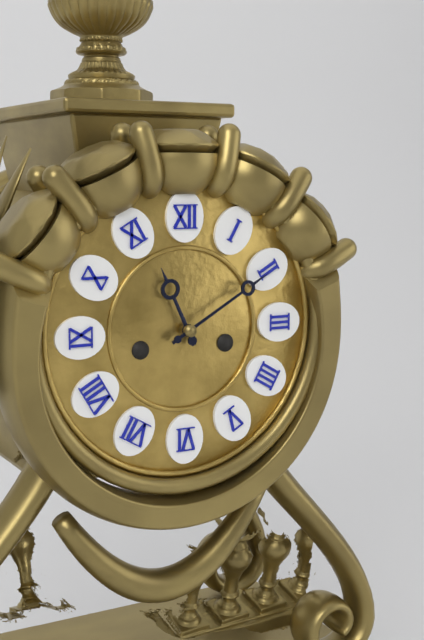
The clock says {"hour": 11, "minute": 10}
